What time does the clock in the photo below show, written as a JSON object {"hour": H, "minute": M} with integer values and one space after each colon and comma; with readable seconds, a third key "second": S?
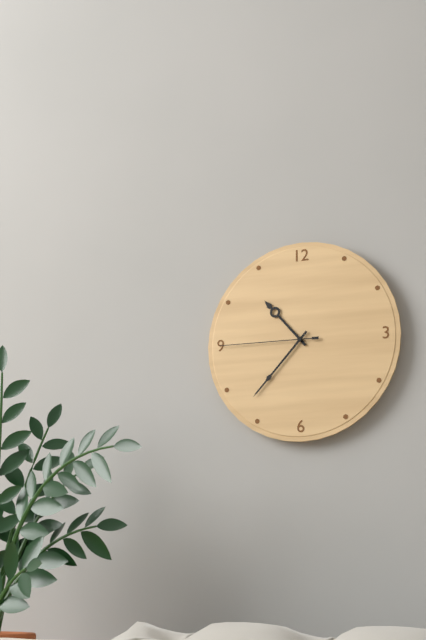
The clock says {"hour": 10, "minute": 37, "second": 45}
